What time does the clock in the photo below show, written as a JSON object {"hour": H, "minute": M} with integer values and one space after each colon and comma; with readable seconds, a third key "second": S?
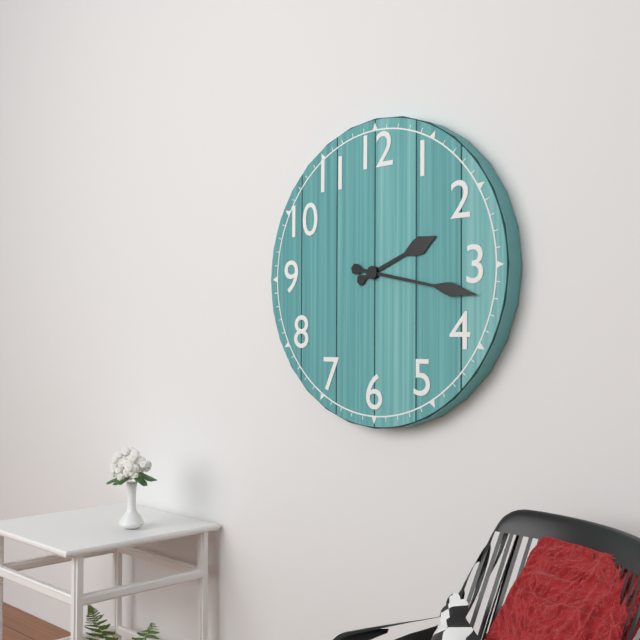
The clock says {"hour": 2, "minute": 17}
